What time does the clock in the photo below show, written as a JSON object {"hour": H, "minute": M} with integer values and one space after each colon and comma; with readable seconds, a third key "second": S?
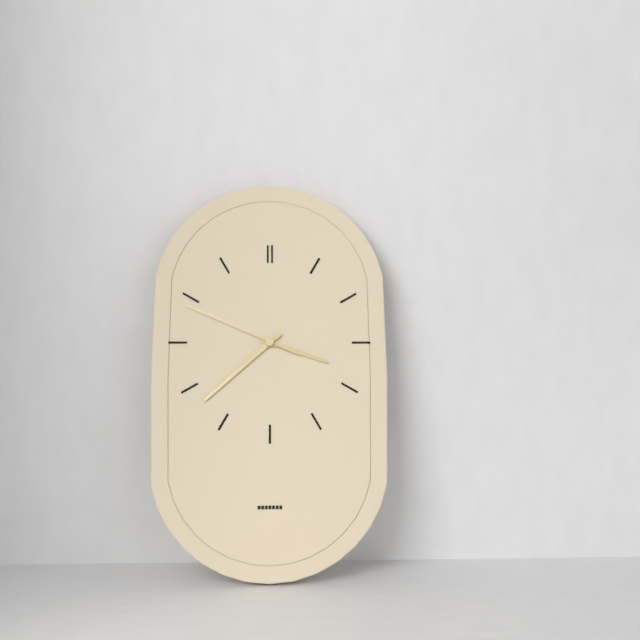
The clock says {"hour": 3, "minute": 38, "second": 49}
